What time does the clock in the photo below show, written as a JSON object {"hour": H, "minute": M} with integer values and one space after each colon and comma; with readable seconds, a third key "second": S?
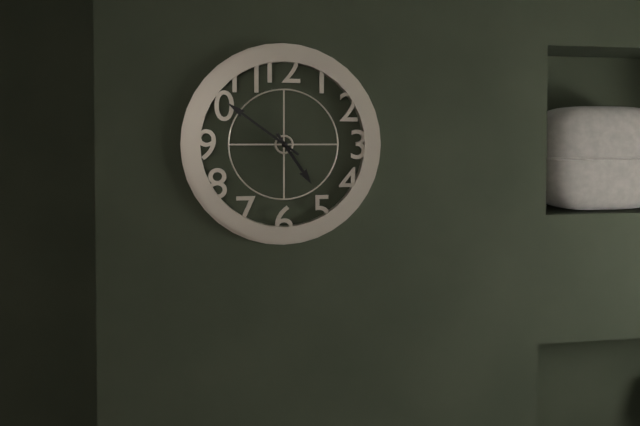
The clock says {"hour": 4, "minute": 51}
